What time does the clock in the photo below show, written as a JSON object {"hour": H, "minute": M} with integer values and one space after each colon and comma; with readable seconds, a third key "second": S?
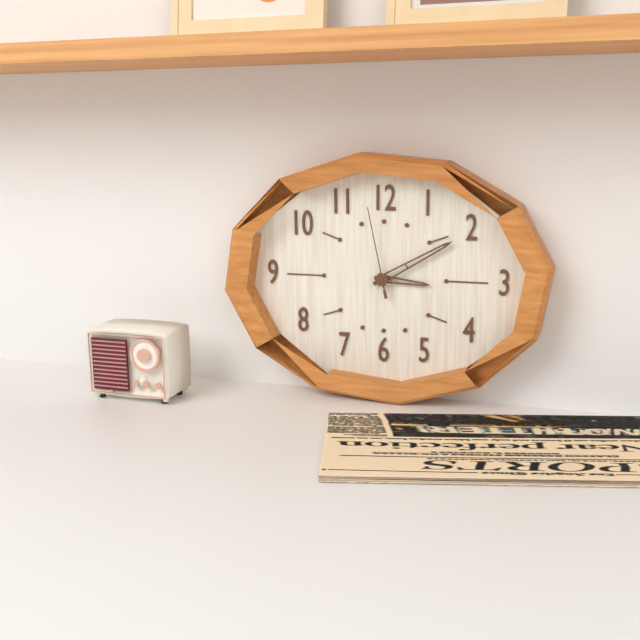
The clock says {"hour": 3, "minute": 10, "second": 58}
